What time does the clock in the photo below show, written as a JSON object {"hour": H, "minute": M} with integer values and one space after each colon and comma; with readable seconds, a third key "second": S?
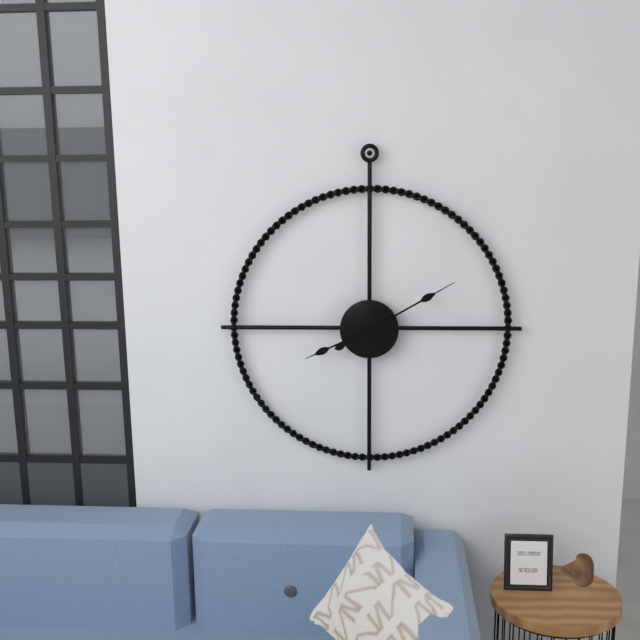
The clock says {"hour": 8, "minute": 10}
